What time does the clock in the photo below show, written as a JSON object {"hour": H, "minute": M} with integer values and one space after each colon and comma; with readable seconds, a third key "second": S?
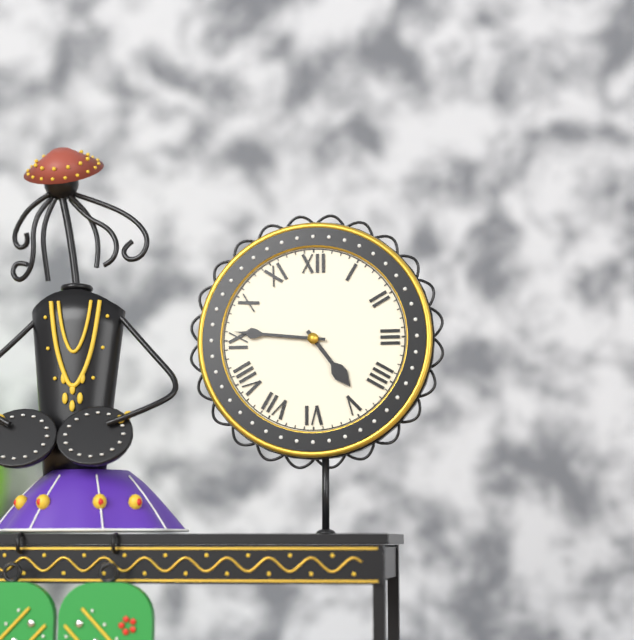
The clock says {"hour": 4, "minute": 46}
